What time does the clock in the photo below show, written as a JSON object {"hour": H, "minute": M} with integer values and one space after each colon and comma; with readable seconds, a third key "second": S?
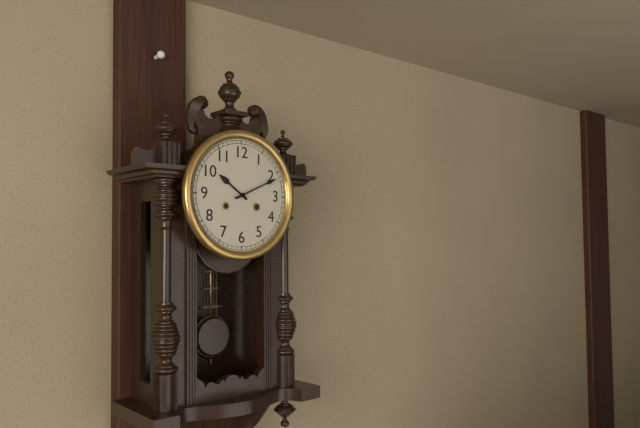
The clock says {"hour": 10, "minute": 11}
